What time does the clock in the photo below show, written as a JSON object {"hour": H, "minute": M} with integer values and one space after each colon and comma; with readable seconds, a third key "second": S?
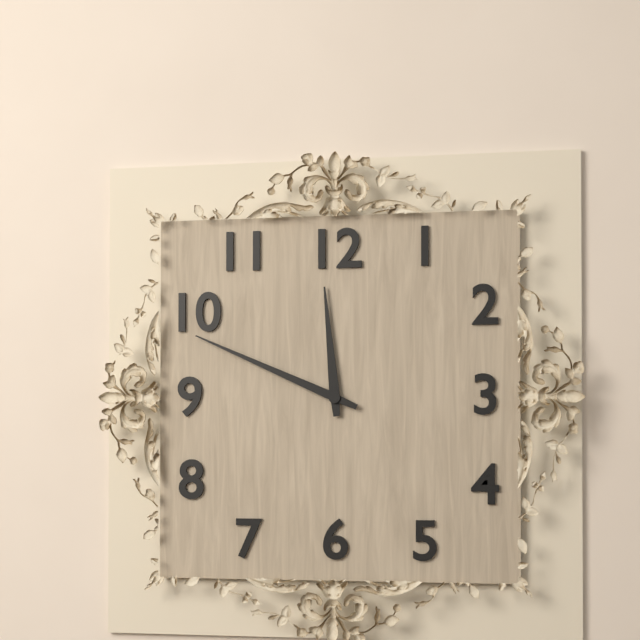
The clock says {"hour": 11, "minute": 49}
